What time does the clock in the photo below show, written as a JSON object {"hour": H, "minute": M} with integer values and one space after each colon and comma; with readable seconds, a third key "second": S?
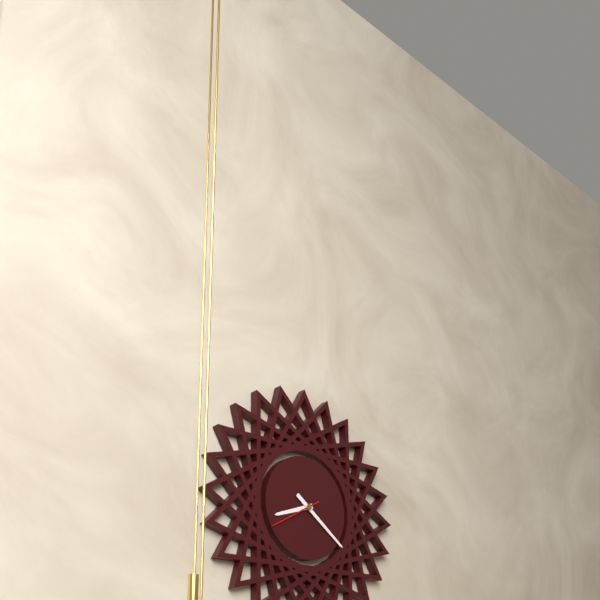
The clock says {"hour": 8, "minute": 21, "second": 40}
